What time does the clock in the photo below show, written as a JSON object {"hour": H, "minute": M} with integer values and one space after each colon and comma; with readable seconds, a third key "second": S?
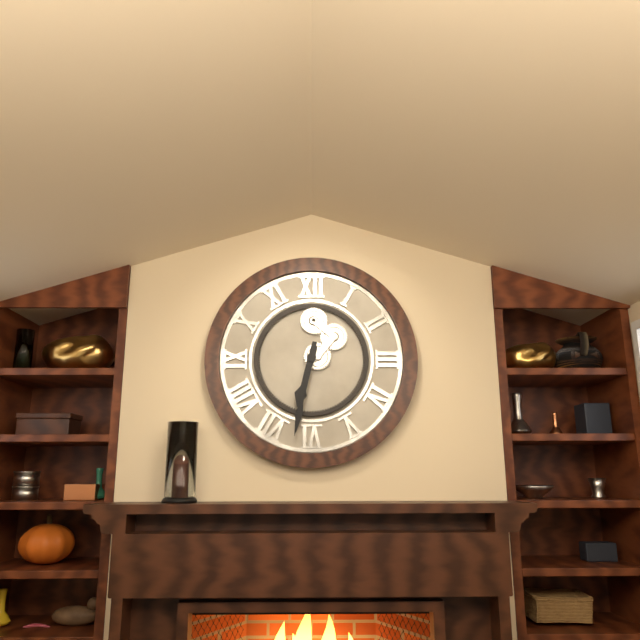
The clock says {"hour": 6, "minute": 32}
